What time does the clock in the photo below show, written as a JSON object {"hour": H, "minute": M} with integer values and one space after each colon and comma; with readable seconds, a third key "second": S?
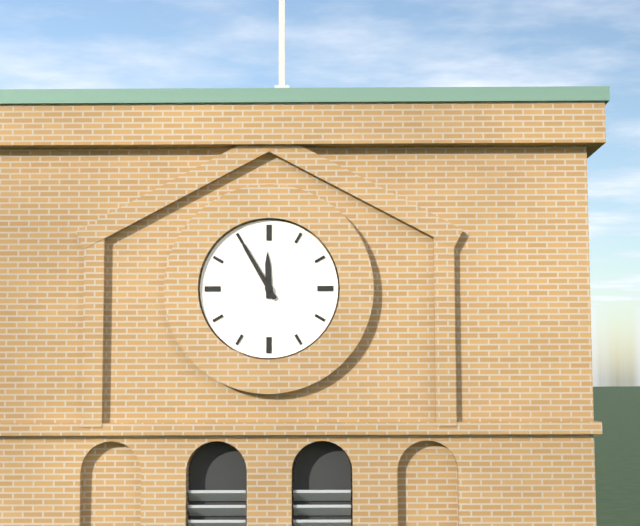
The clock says {"hour": 11, "minute": 55}
